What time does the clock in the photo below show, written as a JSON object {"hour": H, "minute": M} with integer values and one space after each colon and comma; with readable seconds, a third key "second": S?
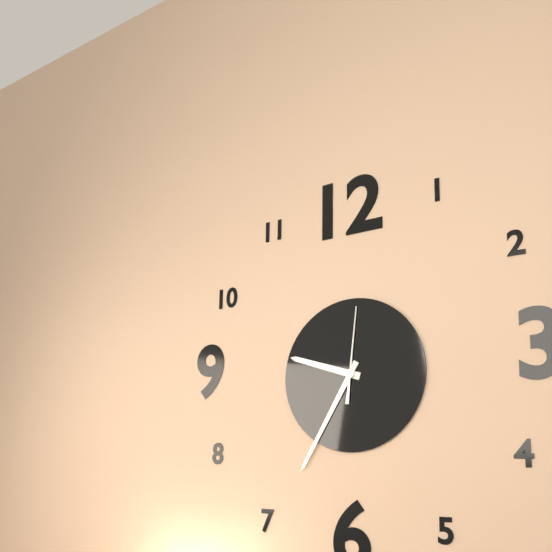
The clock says {"hour": 9, "minute": 35, "second": 1}
